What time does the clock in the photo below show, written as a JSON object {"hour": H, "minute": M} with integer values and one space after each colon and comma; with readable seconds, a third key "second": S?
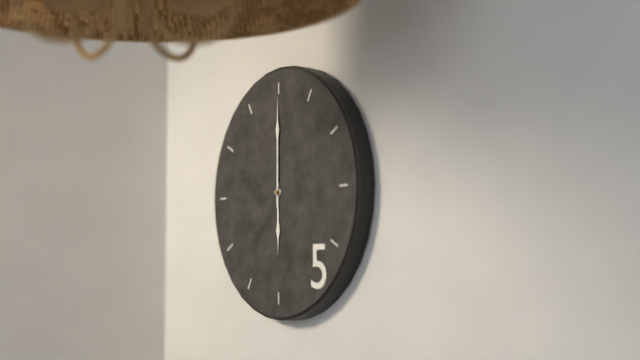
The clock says {"hour": 6, "minute": 0}
